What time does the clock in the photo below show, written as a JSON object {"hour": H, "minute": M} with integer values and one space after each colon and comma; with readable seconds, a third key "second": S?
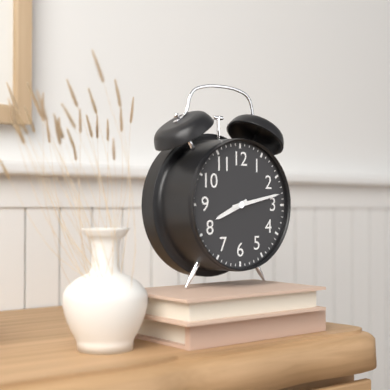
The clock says {"hour": 8, "minute": 13}
